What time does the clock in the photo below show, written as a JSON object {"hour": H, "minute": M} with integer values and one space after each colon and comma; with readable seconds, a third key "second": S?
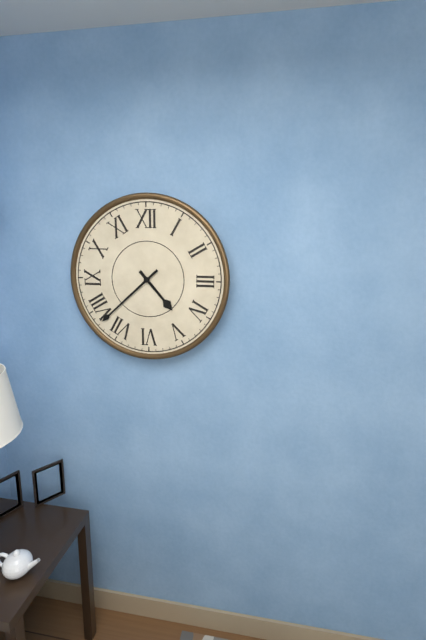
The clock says {"hour": 4, "minute": 38}
